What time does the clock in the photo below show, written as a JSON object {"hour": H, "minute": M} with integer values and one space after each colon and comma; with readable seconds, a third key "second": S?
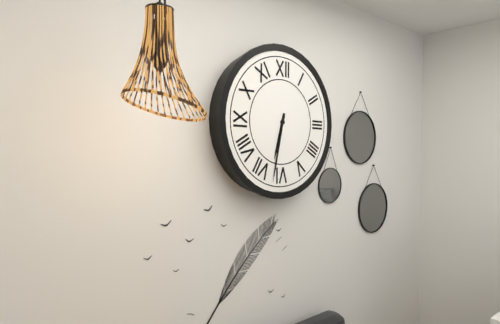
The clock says {"hour": 6, "minute": 32}
